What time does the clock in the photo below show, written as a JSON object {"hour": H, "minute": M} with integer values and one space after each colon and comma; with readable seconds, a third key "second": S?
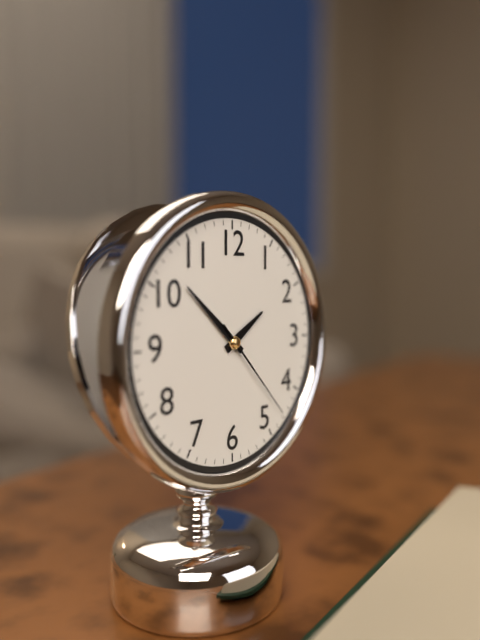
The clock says {"hour": 1, "minute": 52, "second": 23}
